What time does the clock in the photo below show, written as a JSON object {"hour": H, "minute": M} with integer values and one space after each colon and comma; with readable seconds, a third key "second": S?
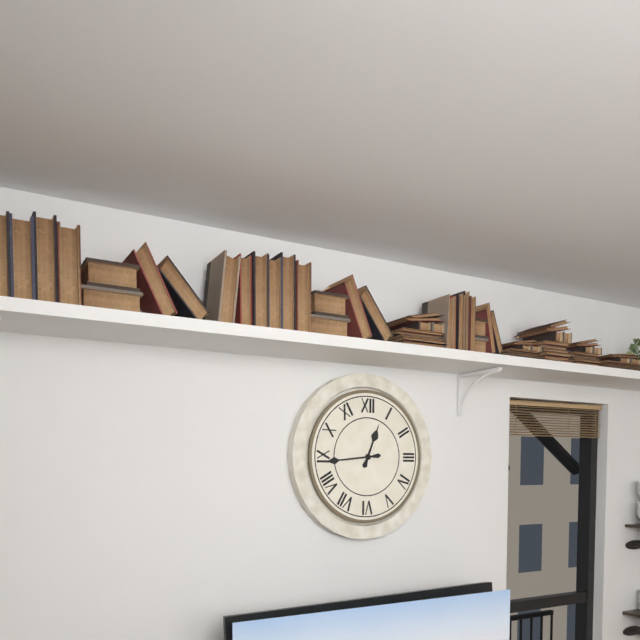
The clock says {"hour": 12, "minute": 44}
